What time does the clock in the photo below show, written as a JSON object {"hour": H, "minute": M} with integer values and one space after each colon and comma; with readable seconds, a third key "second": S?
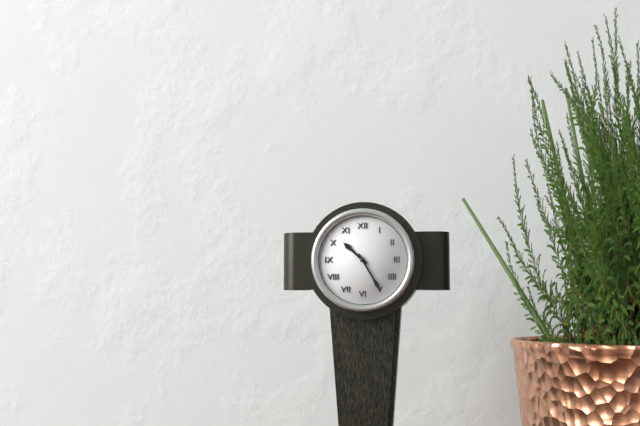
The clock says {"hour": 10, "minute": 25}
